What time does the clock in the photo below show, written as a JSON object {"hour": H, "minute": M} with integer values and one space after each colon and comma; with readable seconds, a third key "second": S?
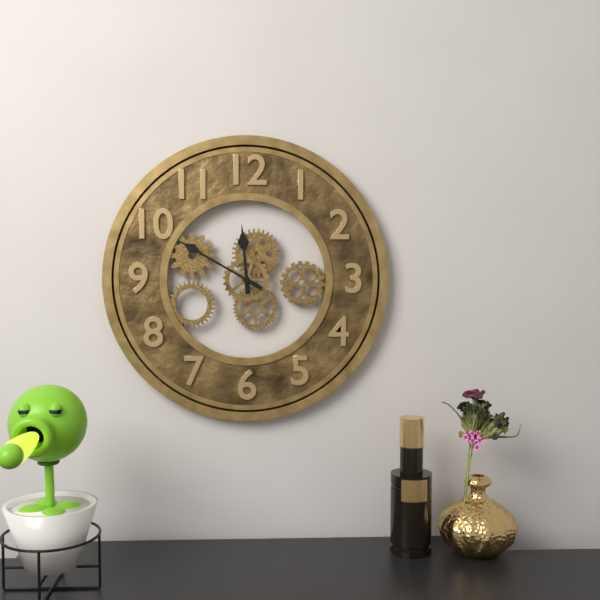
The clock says {"hour": 11, "minute": 50}
